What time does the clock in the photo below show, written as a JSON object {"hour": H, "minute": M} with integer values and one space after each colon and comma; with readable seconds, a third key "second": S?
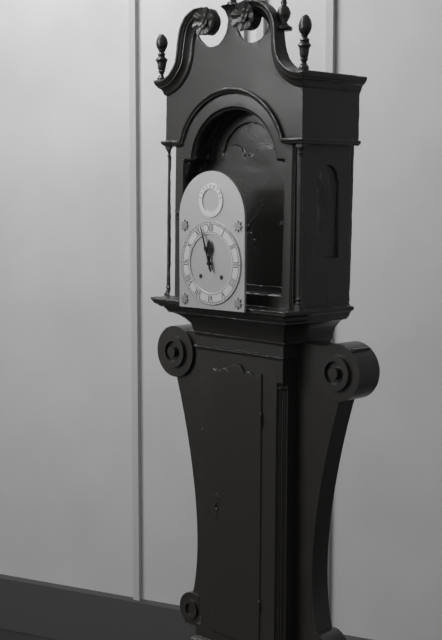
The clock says {"hour": 11, "minute": 57}
